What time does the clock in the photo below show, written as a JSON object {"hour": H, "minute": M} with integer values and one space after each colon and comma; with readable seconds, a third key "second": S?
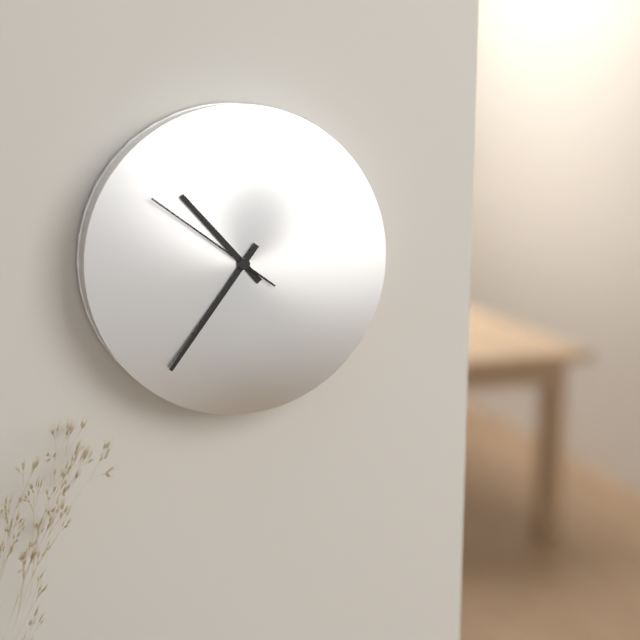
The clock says {"hour": 10, "minute": 36, "second": 51}
